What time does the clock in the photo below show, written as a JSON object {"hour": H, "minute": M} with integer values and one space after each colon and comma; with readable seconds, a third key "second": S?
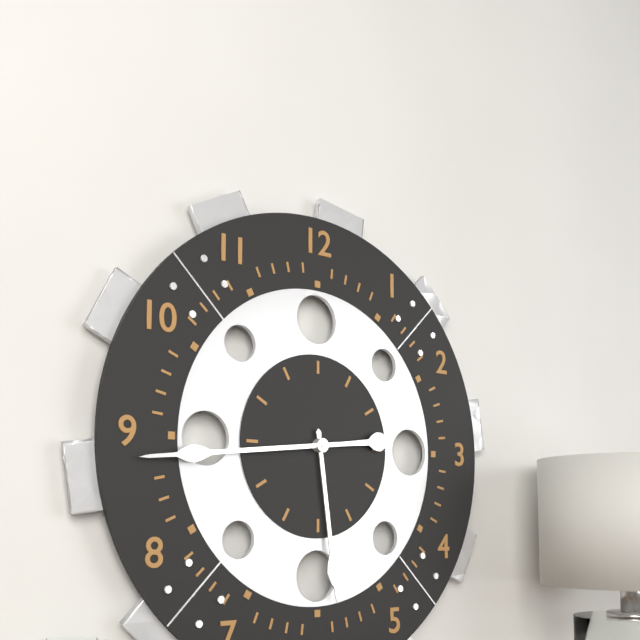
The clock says {"hour": 5, "minute": 44}
